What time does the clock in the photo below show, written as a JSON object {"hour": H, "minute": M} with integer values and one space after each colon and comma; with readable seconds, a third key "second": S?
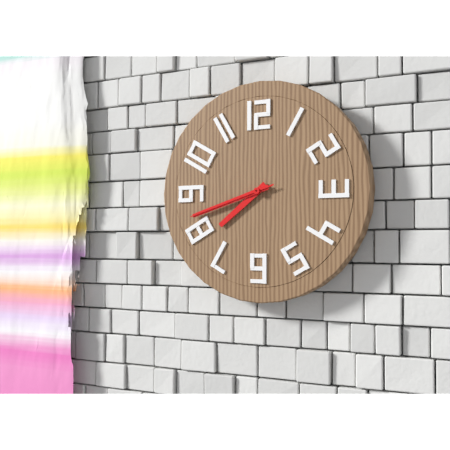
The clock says {"hour": 7, "minute": 42, "second": 42}
